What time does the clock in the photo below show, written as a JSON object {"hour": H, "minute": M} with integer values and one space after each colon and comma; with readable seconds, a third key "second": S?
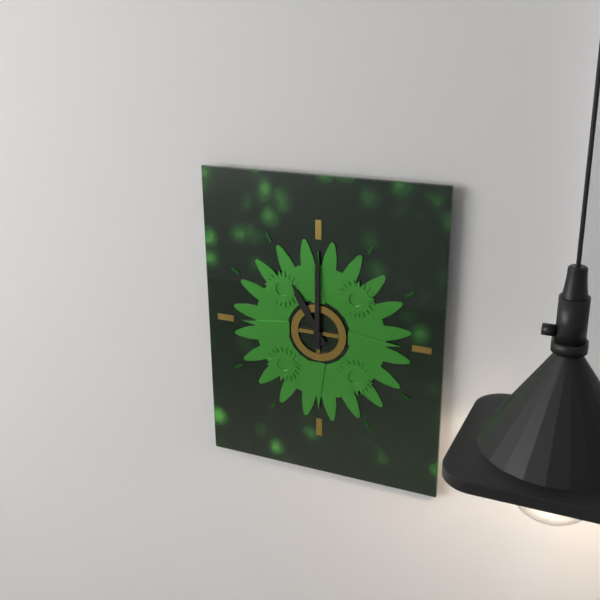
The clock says {"hour": 11, "minute": 0}
